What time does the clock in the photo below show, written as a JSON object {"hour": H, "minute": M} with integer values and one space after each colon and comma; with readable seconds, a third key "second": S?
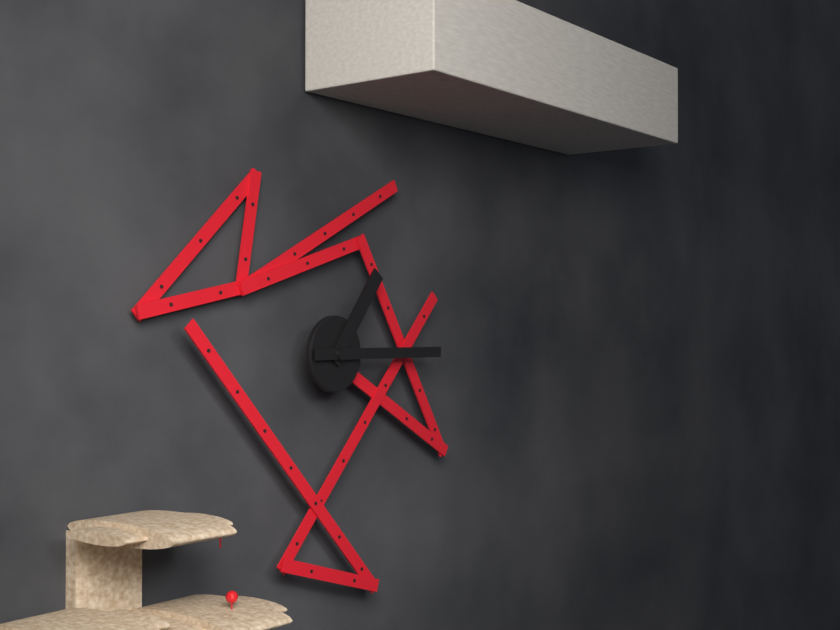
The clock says {"hour": 1, "minute": 15}
